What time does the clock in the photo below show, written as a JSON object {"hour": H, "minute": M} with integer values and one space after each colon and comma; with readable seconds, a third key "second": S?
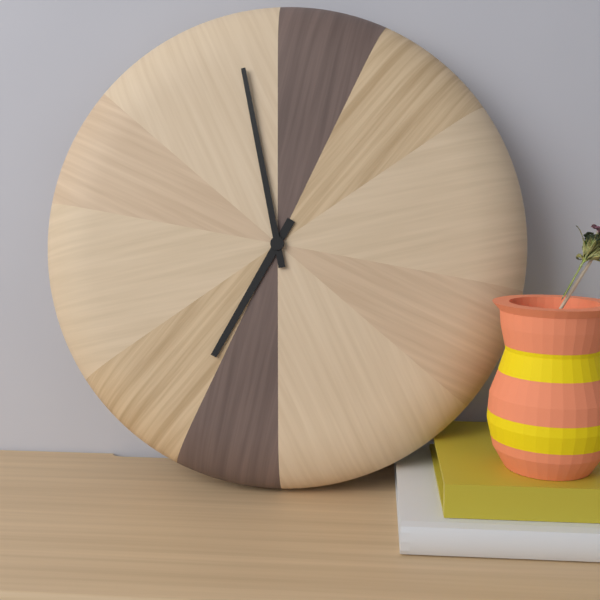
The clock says {"hour": 6, "minute": 58}
